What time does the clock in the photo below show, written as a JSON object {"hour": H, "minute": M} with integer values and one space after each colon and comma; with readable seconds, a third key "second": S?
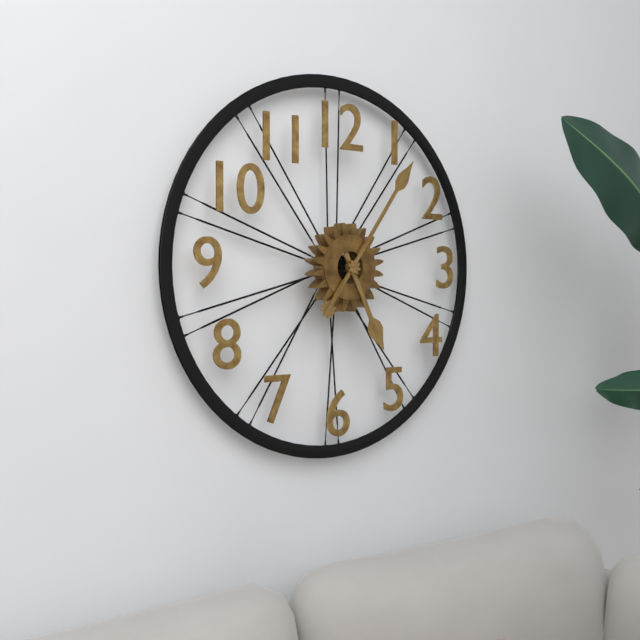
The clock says {"hour": 5, "minute": 6}
